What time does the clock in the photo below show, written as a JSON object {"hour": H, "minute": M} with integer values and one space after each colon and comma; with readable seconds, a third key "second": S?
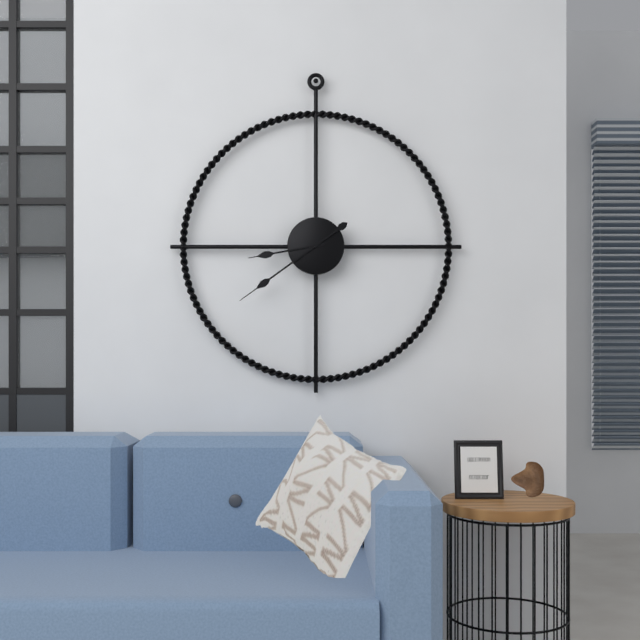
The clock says {"hour": 8, "minute": 39}
